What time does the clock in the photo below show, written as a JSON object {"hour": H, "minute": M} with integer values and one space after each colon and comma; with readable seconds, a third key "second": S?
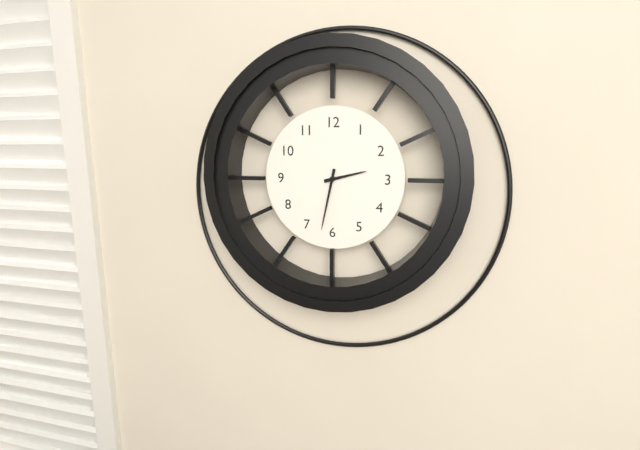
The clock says {"hour": 2, "minute": 32}
